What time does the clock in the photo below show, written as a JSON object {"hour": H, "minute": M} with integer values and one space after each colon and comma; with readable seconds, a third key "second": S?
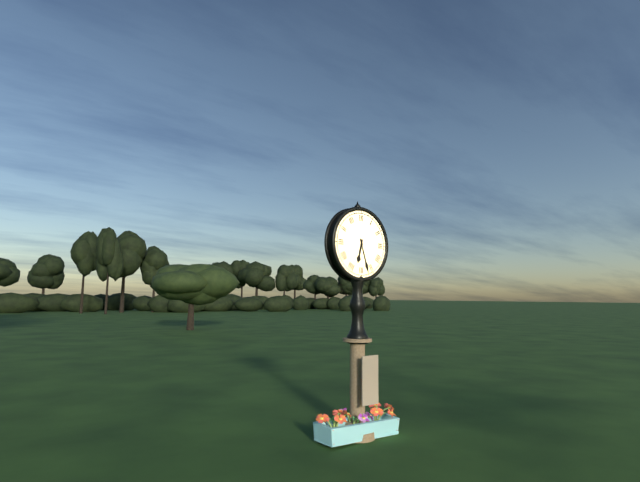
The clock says {"hour": 6, "minute": 27}
